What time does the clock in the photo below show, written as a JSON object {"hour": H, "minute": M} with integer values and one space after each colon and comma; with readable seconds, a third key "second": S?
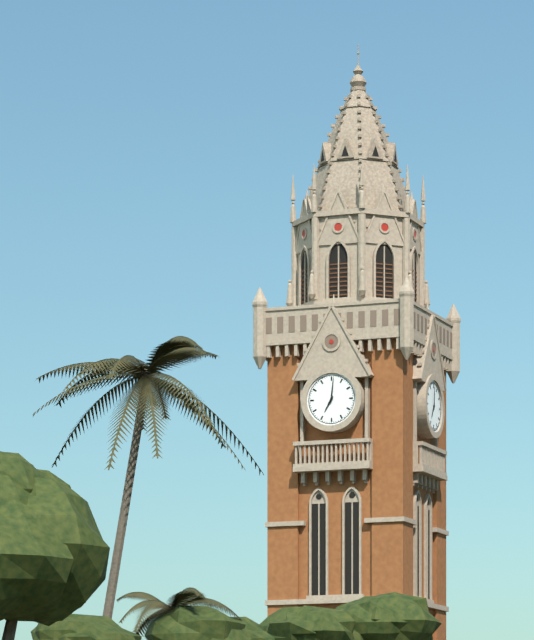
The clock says {"hour": 7, "minute": 1}
